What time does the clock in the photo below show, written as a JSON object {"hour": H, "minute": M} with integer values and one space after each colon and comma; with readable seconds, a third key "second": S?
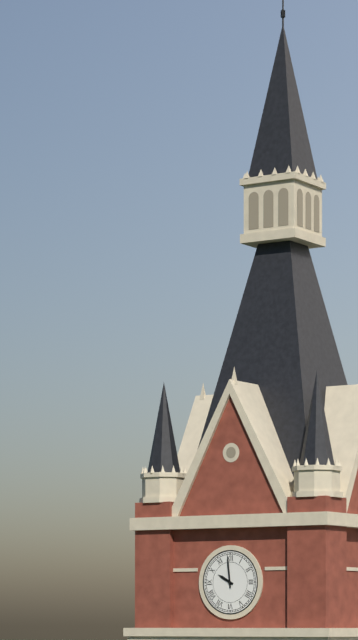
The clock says {"hour": 9, "minute": 59}
